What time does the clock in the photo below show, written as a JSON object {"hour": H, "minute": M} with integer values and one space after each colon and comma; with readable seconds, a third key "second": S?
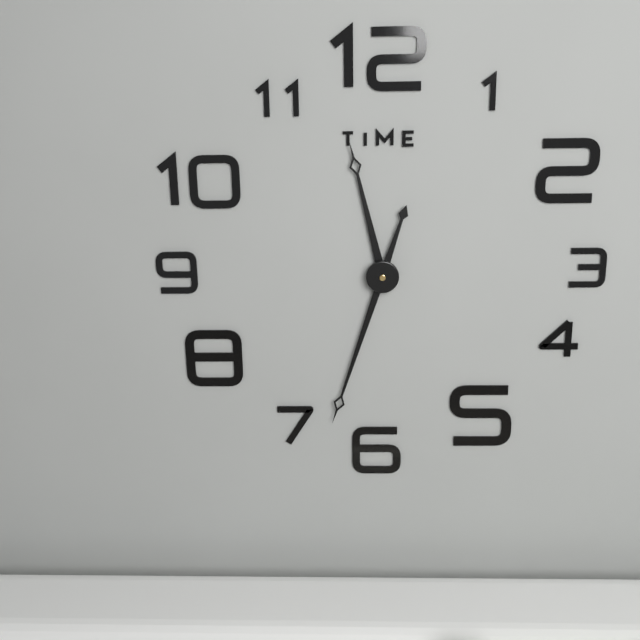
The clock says {"hour": 11, "minute": 33}
